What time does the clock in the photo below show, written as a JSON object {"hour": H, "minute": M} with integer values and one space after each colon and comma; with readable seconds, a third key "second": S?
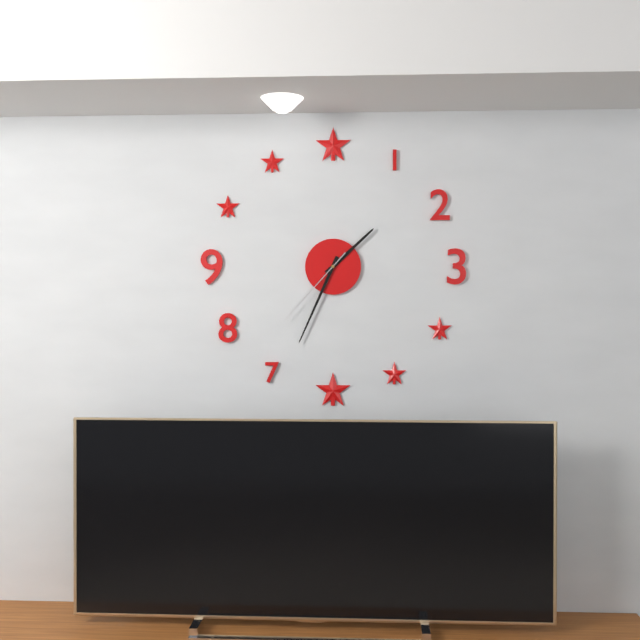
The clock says {"hour": 1, "minute": 34, "second": 37}
